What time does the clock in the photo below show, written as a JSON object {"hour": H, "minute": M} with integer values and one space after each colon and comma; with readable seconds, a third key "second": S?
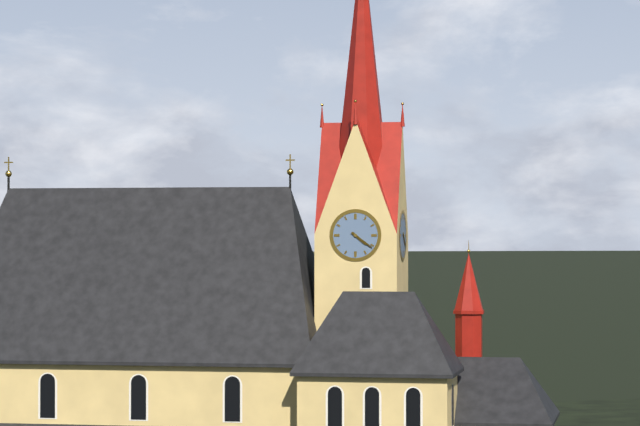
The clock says {"hour": 4, "minute": 21}
